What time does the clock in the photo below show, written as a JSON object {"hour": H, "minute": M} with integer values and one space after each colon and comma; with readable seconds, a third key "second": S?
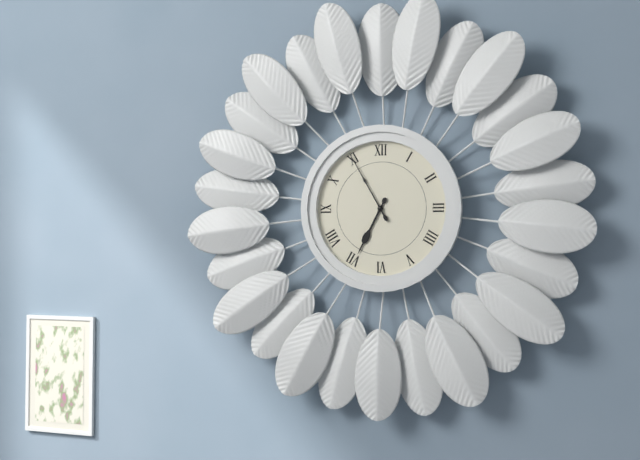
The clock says {"hour": 6, "minute": 55}
